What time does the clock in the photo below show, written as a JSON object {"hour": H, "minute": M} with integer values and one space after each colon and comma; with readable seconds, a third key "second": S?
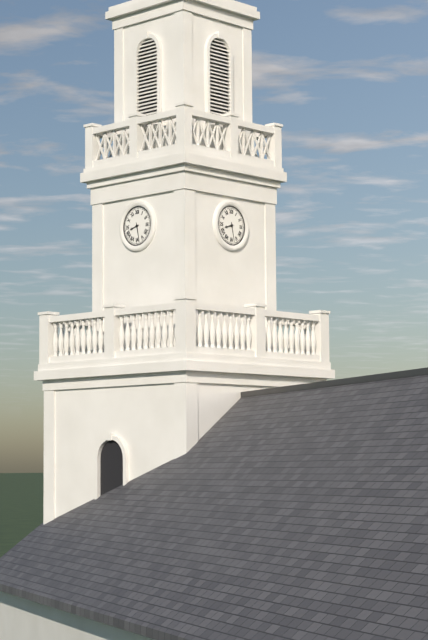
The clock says {"hour": 8, "minute": 28}
